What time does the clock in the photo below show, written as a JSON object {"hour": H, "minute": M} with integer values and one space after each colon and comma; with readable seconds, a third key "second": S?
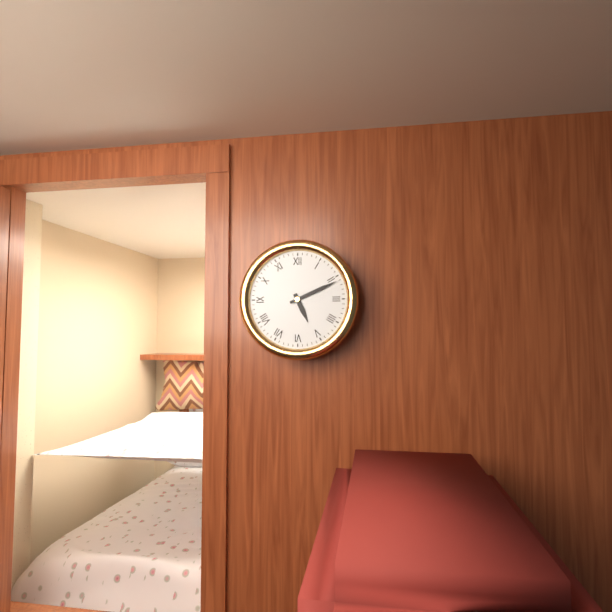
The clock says {"hour": 5, "minute": 11}
